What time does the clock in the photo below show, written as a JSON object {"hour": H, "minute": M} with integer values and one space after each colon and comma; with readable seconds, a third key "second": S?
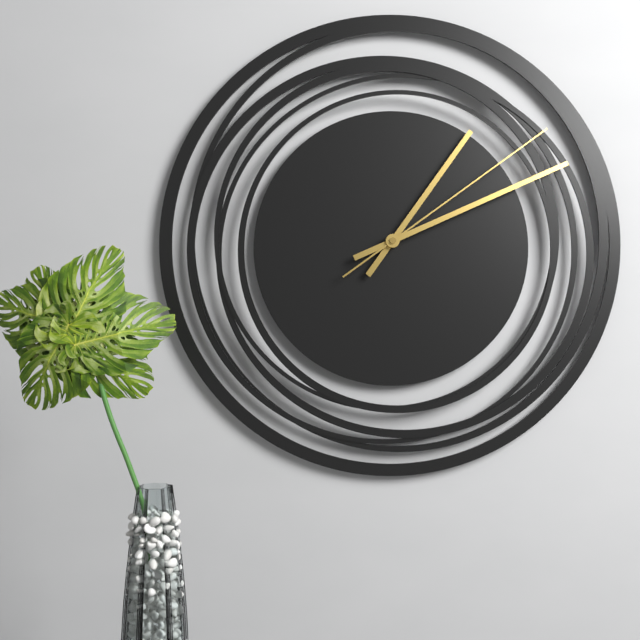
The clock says {"hour": 1, "minute": 11, "second": 9}
